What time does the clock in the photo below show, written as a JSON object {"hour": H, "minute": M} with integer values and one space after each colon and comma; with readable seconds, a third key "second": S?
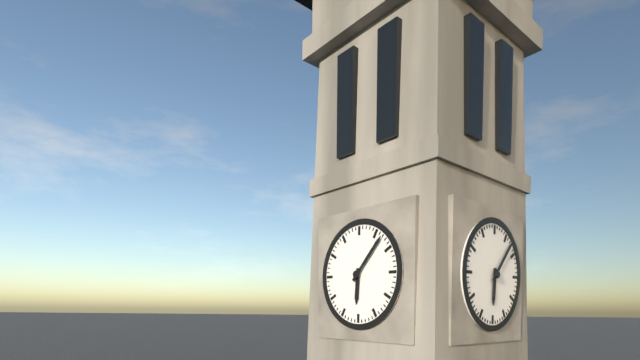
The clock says {"hour": 6, "minute": 7}
